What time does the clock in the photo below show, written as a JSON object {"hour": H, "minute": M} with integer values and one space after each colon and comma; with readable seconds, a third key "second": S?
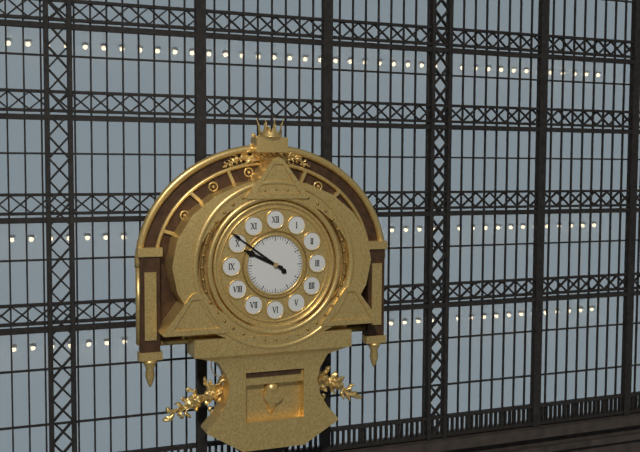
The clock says {"hour": 9, "minute": 51}
